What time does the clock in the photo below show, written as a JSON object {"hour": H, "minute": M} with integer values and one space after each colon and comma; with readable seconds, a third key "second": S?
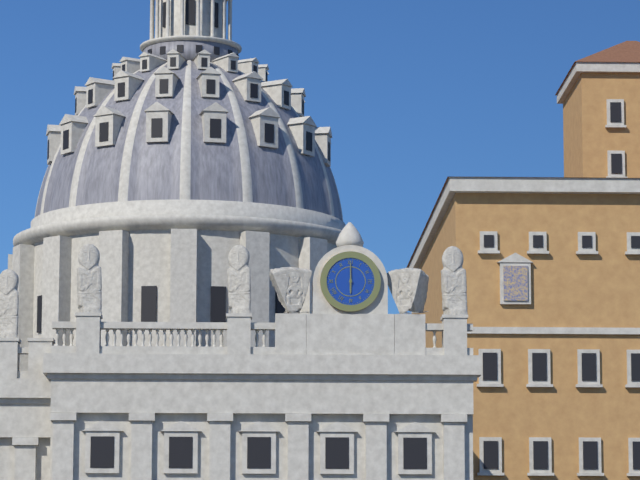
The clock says {"hour": 6, "minute": 0}
